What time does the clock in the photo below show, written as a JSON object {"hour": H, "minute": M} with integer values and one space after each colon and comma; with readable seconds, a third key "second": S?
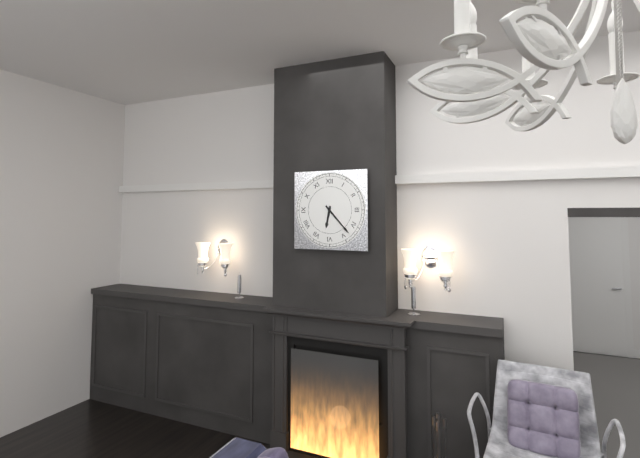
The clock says {"hour": 6, "minute": 23}
